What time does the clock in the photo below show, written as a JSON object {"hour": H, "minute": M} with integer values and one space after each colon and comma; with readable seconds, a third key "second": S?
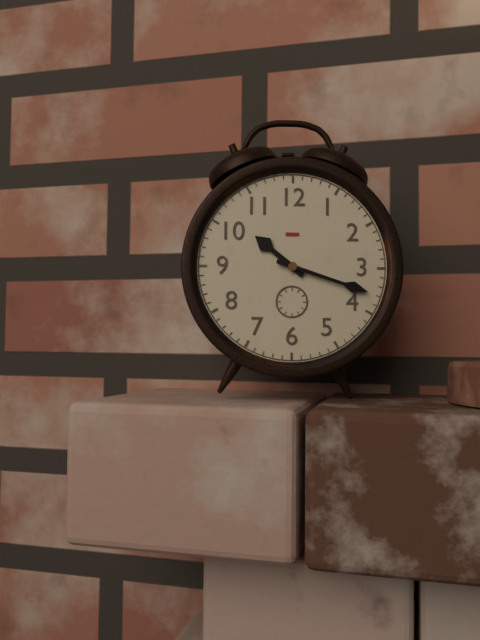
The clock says {"hour": 10, "minute": 18}
